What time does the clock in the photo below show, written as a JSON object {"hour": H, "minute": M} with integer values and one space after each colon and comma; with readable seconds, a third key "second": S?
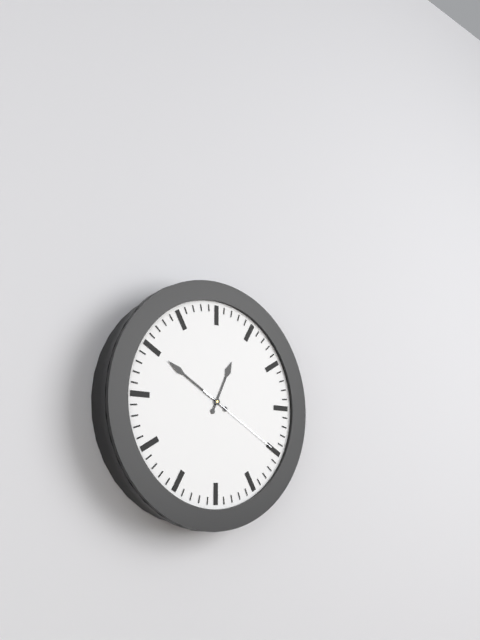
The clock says {"hour": 12, "minute": 50, "second": 20}
